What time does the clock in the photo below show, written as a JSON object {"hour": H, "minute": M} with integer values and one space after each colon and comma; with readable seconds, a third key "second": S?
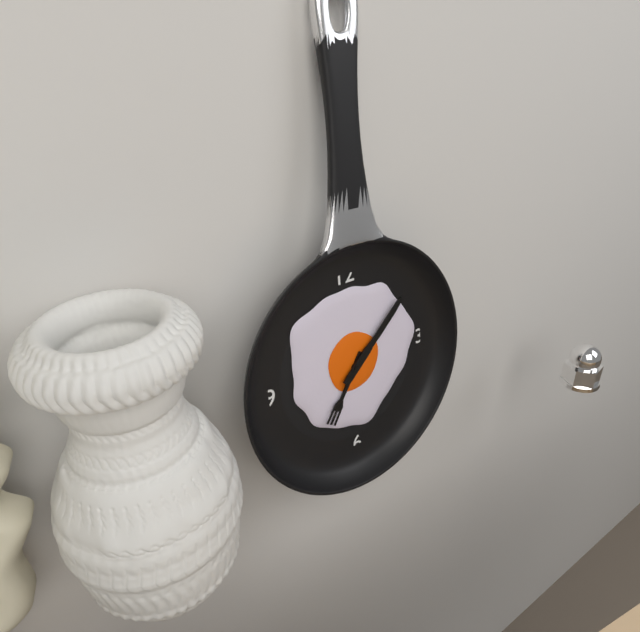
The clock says {"hour": 7, "minute": 8}
